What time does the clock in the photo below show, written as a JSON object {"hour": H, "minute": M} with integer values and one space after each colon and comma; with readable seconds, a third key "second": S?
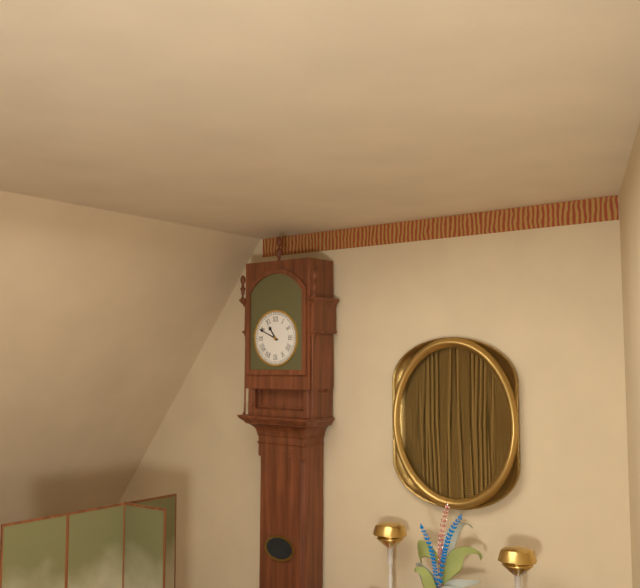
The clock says {"hour": 10, "minute": 49}
